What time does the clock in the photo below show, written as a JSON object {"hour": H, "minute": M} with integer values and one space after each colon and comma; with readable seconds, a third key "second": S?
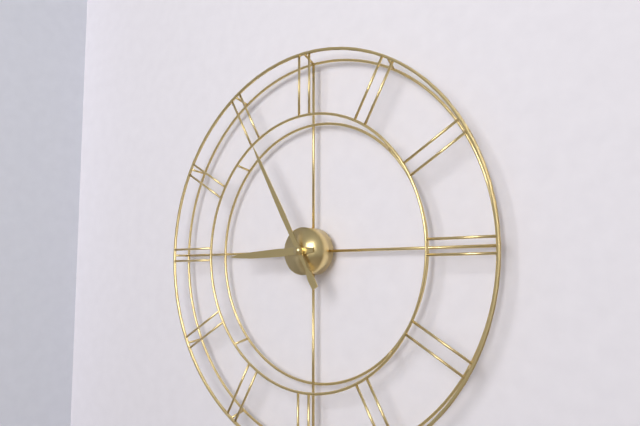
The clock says {"hour": 8, "minute": 55}
